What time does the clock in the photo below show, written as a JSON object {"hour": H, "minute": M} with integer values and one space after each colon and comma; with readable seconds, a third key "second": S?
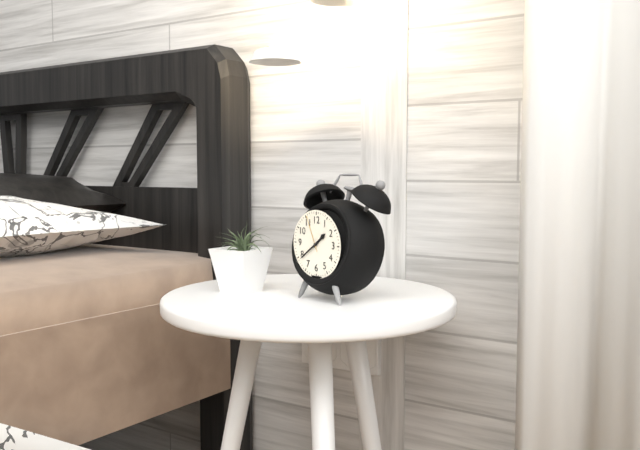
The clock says {"hour": 1, "minute": 39}
